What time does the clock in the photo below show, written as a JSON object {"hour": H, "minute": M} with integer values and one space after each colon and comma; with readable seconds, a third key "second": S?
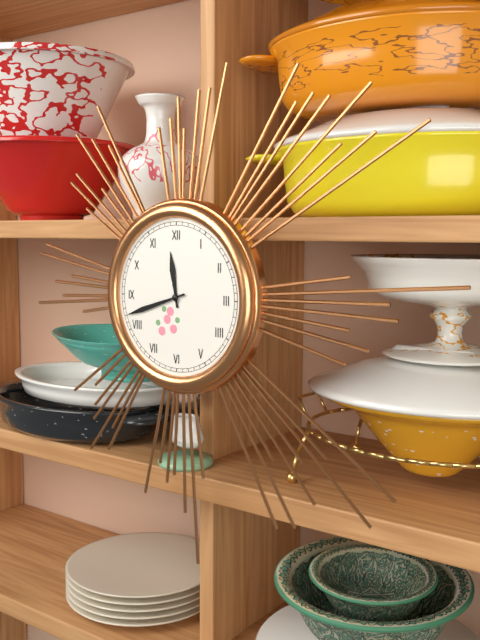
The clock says {"hour": 11, "minute": 42}
